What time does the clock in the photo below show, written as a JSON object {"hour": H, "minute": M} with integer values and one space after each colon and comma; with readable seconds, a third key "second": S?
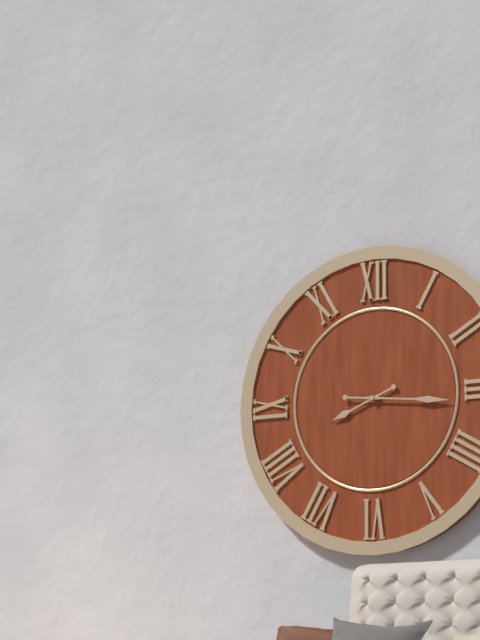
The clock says {"hour": 8, "minute": 16}
